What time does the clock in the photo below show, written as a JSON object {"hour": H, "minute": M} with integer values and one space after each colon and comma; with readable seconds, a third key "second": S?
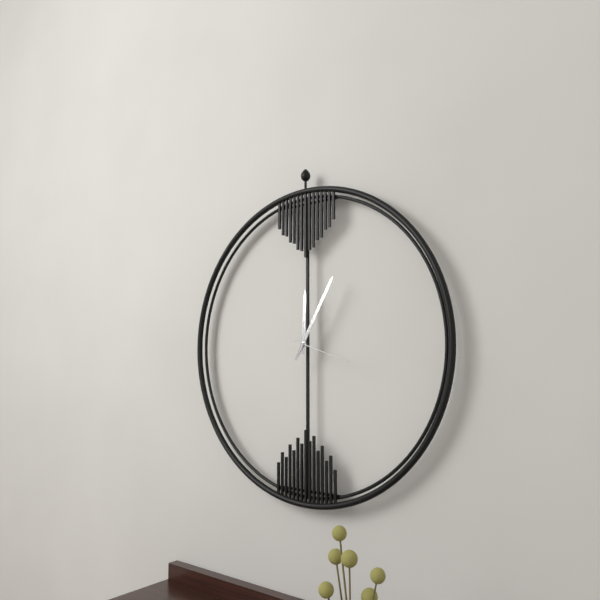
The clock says {"hour": 12, "minute": 5, "second": 18}
